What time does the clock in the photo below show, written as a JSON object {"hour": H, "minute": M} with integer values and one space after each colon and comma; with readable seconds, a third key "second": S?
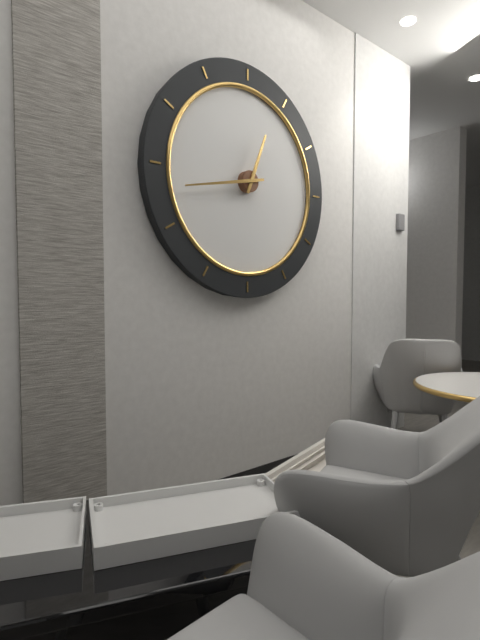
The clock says {"hour": 12, "minute": 43}
